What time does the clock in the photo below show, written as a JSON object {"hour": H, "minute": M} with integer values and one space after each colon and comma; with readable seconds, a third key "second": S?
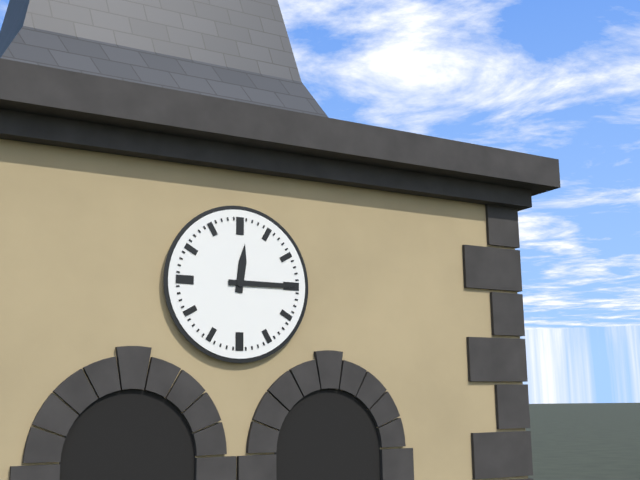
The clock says {"hour": 12, "minute": 15}
